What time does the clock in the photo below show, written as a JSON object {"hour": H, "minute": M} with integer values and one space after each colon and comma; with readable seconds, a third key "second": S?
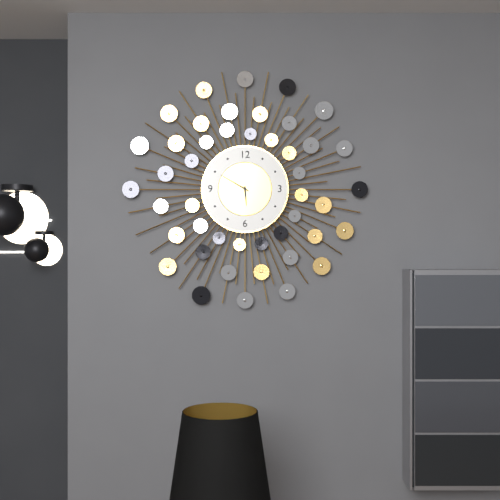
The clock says {"hour": 5, "minute": 50}
